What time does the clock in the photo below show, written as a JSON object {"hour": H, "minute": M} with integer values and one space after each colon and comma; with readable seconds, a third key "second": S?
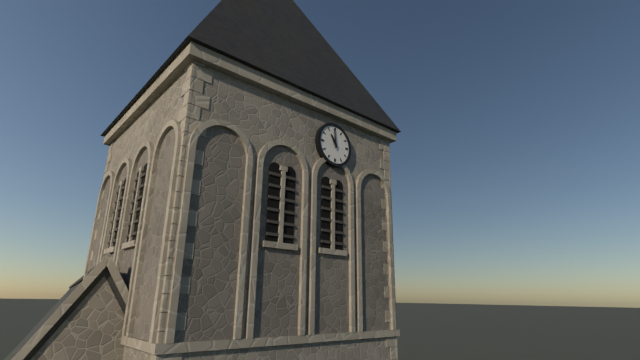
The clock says {"hour": 10, "minute": 59}
